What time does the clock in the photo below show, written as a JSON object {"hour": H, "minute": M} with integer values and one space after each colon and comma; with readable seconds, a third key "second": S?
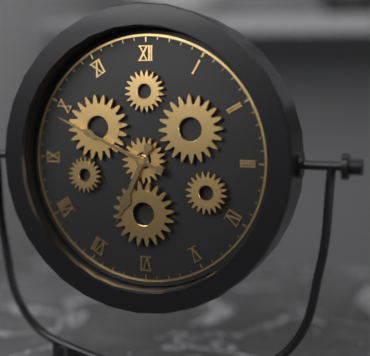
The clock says {"hour": 6, "minute": 49}
